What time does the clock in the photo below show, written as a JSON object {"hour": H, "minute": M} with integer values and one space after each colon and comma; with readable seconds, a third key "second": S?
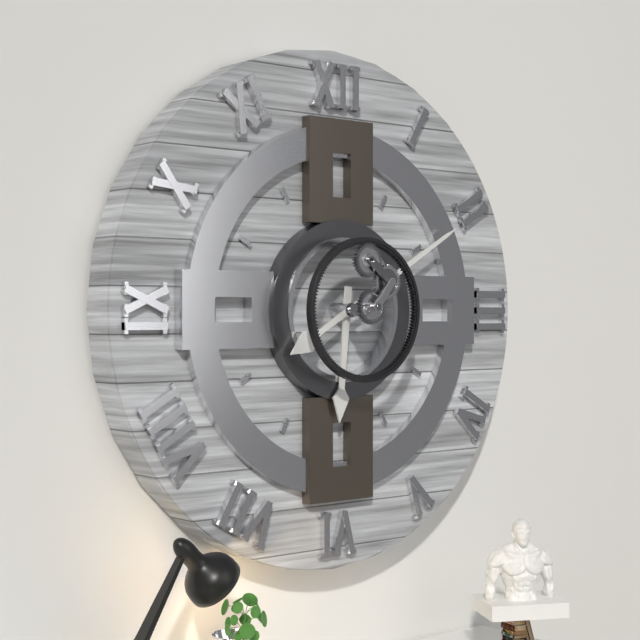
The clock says {"hour": 6, "minute": 10}
